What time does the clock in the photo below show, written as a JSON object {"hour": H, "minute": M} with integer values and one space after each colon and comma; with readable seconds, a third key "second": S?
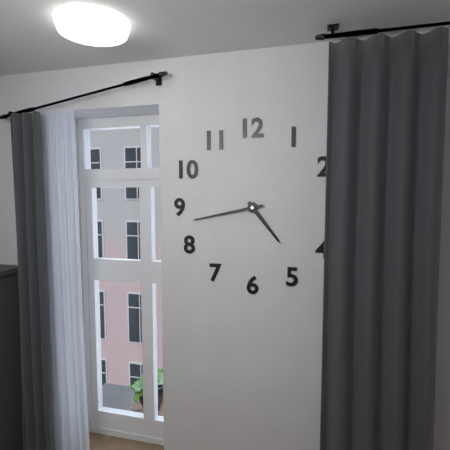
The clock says {"hour": 4, "minute": 43}
